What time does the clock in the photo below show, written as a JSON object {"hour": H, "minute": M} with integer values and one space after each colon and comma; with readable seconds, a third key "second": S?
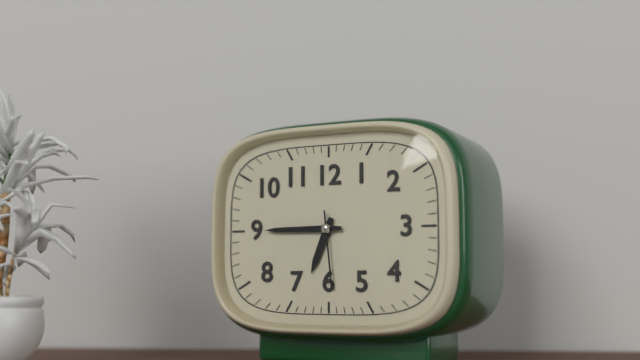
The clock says {"hour": 6, "minute": 45, "second": 29}
